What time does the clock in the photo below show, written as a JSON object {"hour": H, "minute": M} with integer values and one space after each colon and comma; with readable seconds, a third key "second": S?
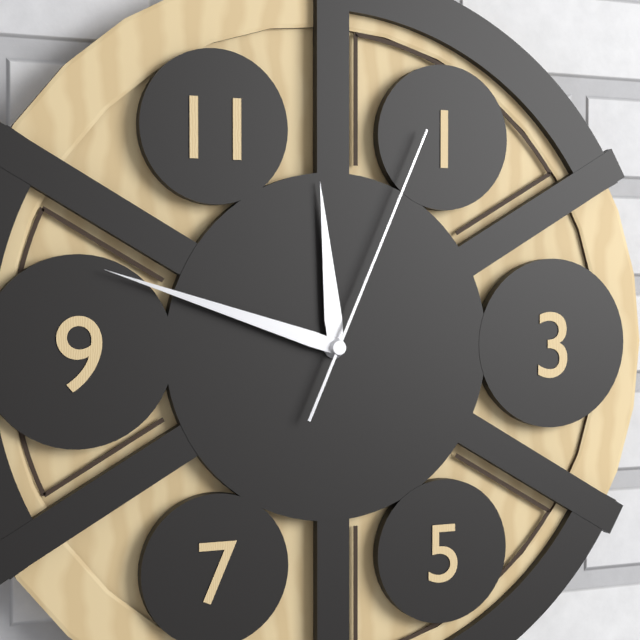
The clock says {"hour": 11, "minute": 48, "second": 4}
